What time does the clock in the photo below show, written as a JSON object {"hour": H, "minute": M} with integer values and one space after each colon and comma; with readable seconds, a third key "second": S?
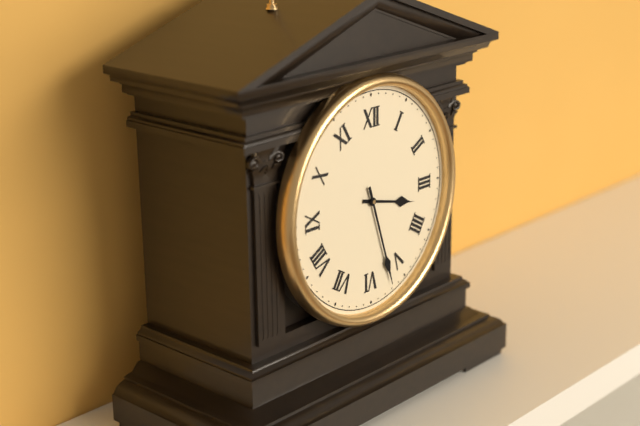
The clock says {"hour": 3, "minute": 27}
